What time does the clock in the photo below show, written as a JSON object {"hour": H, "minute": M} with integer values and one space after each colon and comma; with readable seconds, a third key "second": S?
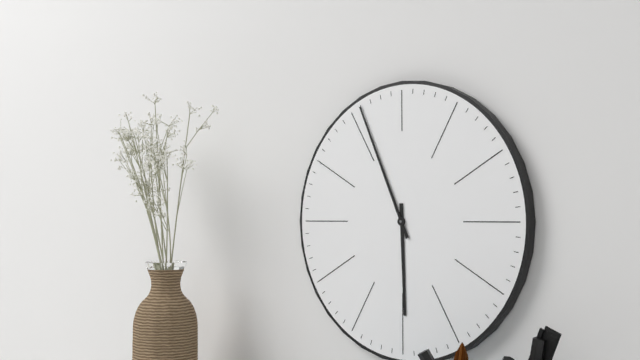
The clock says {"hour": 5, "minute": 56}
